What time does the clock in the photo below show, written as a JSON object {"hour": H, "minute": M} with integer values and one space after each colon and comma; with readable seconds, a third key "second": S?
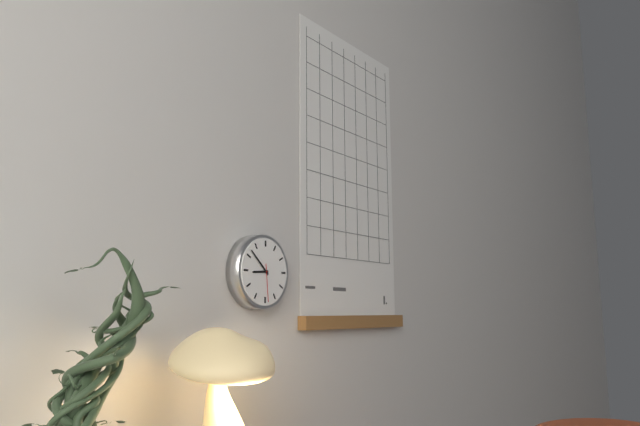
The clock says {"hour": 8, "minute": 52}
